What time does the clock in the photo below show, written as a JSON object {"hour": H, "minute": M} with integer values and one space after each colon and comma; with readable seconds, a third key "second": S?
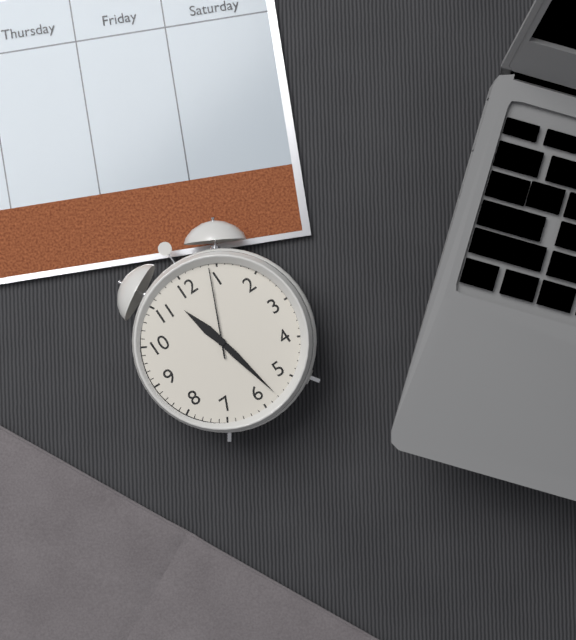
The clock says {"hour": 11, "minute": 28, "second": 4}
